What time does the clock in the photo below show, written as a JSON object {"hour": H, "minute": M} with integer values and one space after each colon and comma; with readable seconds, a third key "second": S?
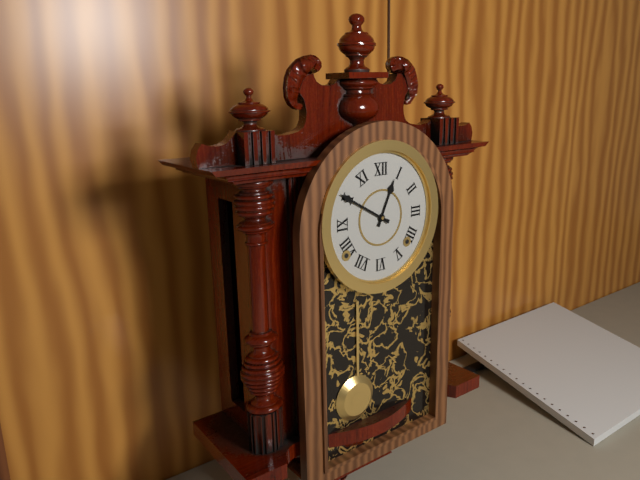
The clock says {"hour": 12, "minute": 50}
